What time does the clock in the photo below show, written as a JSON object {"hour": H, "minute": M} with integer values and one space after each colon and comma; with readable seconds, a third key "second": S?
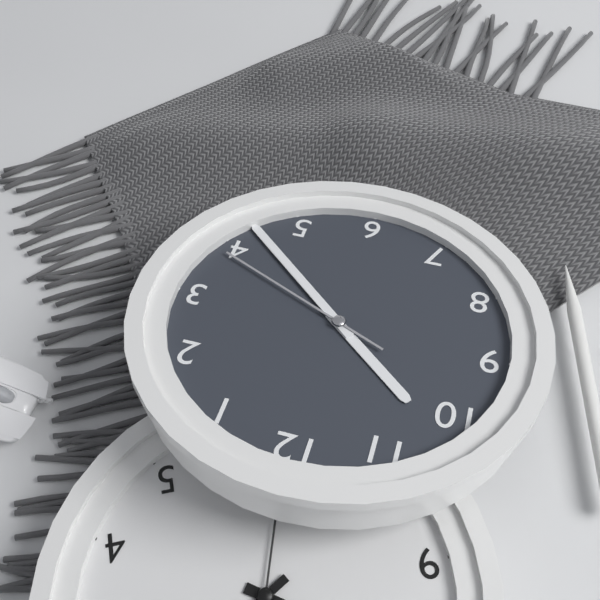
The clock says {"hour": 10, "minute": 22, "second": 19}
